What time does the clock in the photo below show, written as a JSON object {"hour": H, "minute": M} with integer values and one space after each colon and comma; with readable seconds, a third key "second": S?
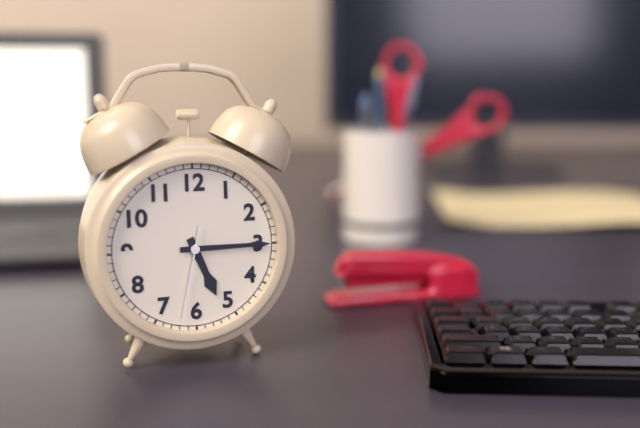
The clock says {"hour": 5, "minute": 15, "second": 32}
